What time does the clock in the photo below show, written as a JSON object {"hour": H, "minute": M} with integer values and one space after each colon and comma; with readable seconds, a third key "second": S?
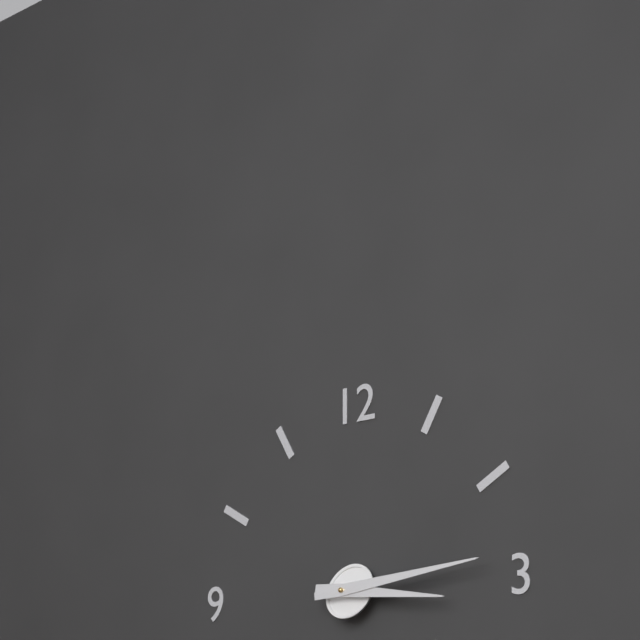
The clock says {"hour": 3, "minute": 14}
